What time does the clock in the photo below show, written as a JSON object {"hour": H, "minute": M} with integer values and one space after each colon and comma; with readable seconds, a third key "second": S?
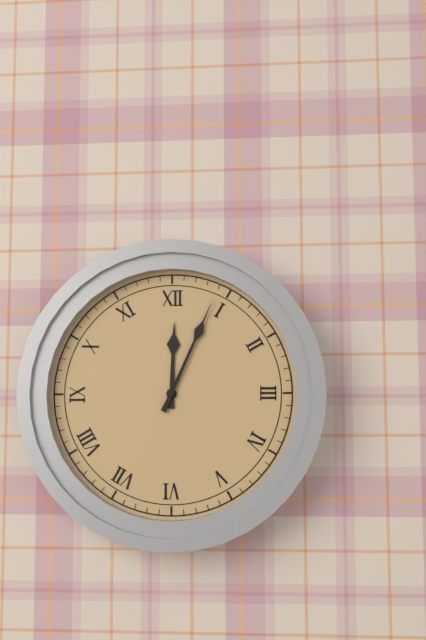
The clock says {"hour": 12, "minute": 4}
